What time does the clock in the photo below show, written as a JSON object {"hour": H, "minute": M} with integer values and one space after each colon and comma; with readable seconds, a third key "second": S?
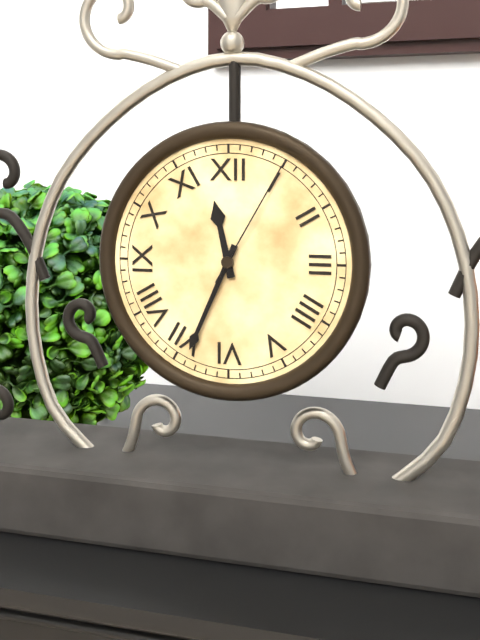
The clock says {"hour": 11, "minute": 34, "second": 5}
